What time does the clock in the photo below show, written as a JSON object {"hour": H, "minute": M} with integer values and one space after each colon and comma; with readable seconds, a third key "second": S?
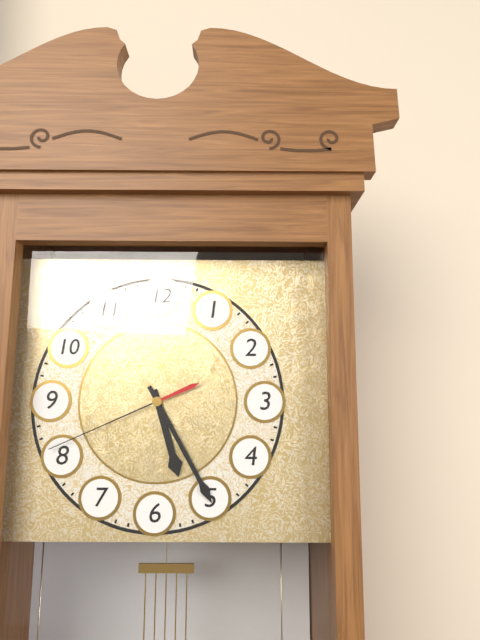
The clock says {"hour": 5, "minute": 25, "second": 41}
